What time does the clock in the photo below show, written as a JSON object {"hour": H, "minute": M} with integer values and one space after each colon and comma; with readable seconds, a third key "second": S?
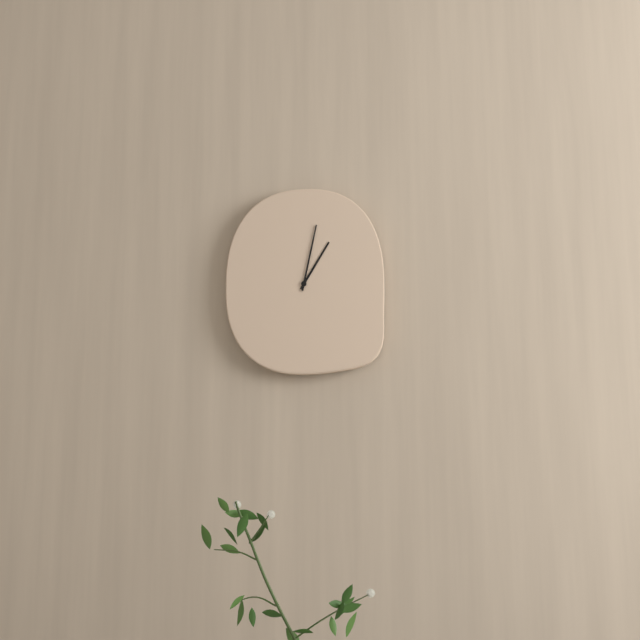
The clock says {"hour": 1, "minute": 2}
